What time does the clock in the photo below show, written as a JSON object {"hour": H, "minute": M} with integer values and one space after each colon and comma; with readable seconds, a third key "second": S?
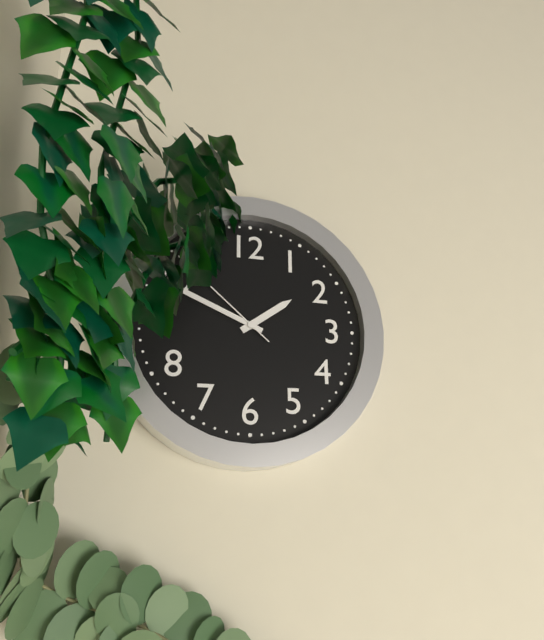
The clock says {"hour": 1, "minute": 49, "second": 52}
